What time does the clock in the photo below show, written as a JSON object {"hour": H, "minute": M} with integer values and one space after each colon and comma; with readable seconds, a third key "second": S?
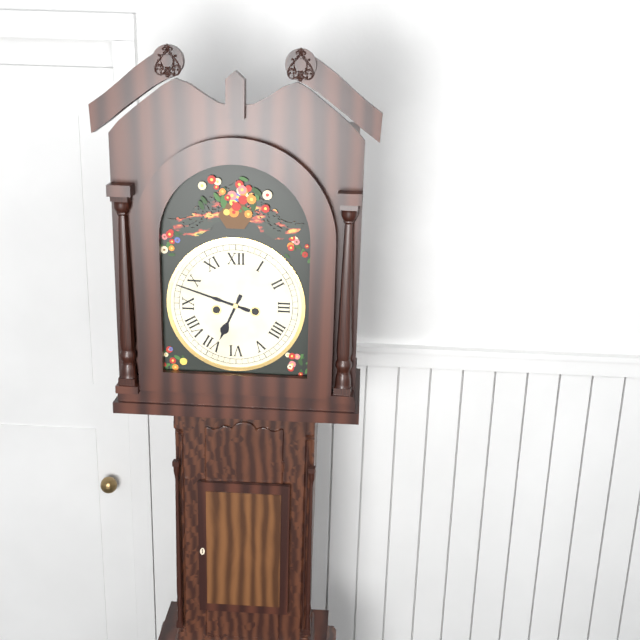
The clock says {"hour": 6, "minute": 48}
